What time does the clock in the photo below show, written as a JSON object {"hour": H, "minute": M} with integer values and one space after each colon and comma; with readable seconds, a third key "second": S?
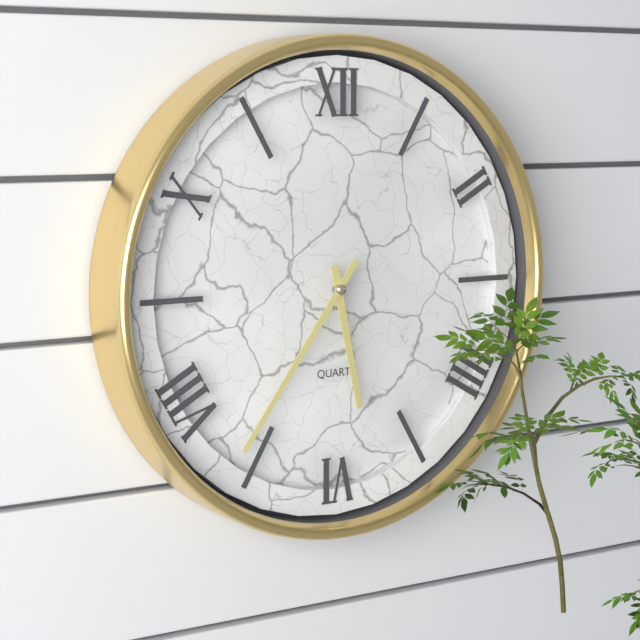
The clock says {"hour": 5, "minute": 36}
